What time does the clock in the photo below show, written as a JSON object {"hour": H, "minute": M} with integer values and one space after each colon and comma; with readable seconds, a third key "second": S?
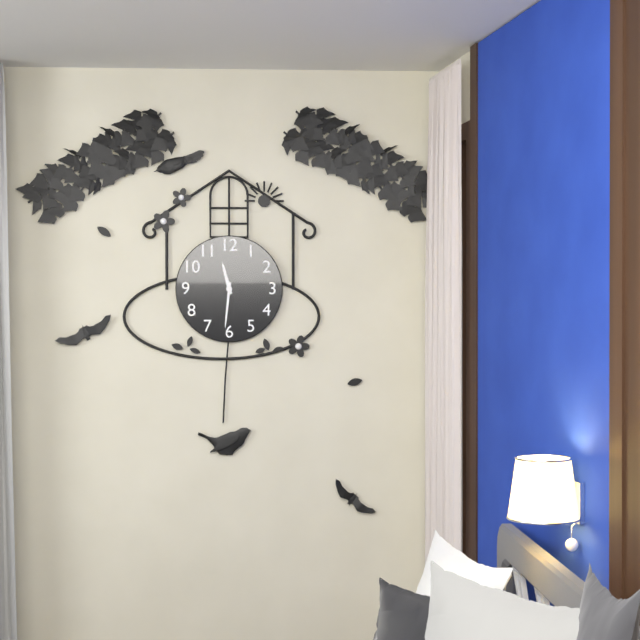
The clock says {"hour": 11, "minute": 31}
